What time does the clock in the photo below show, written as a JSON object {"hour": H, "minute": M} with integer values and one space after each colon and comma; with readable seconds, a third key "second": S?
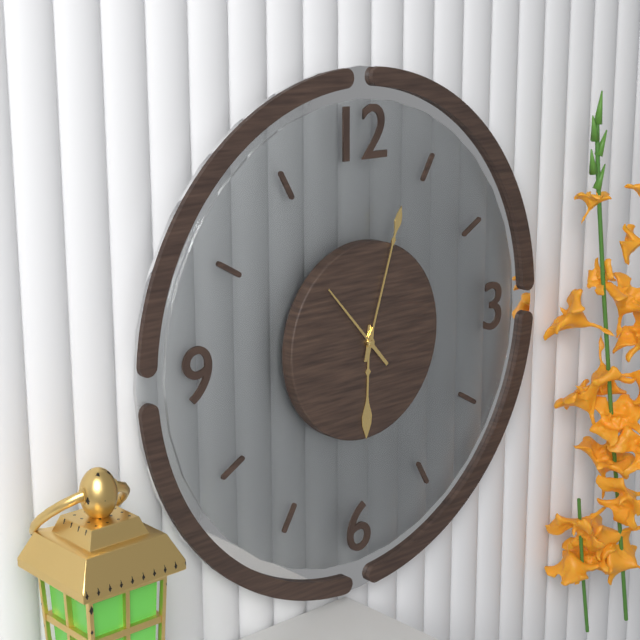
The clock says {"hour": 6, "minute": 3, "second": 53}
